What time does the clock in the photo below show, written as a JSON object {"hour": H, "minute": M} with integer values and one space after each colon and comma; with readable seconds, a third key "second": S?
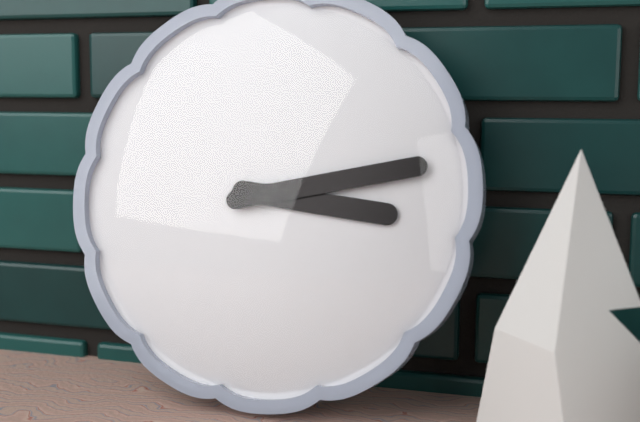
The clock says {"hour": 3, "minute": 13}
